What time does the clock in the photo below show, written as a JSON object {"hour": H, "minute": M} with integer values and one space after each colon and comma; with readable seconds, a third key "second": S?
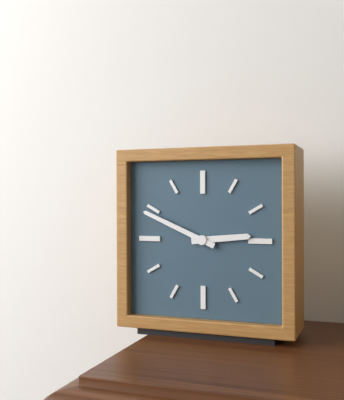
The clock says {"hour": 2, "minute": 49}
